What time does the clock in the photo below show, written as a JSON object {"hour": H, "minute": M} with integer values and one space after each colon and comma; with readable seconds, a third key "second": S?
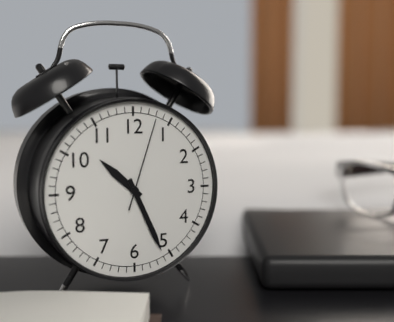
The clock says {"hour": 10, "minute": 26, "second": 3}
